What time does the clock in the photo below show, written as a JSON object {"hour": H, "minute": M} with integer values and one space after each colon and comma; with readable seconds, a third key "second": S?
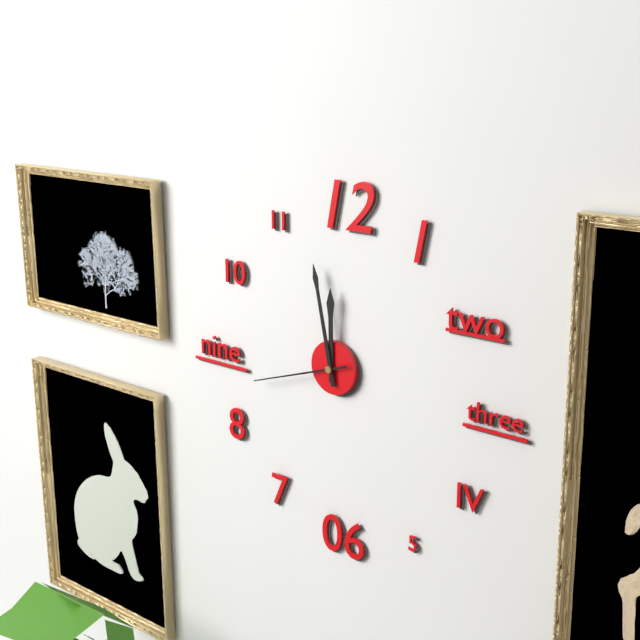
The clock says {"hour": 11, "minute": 58, "second": 42}
